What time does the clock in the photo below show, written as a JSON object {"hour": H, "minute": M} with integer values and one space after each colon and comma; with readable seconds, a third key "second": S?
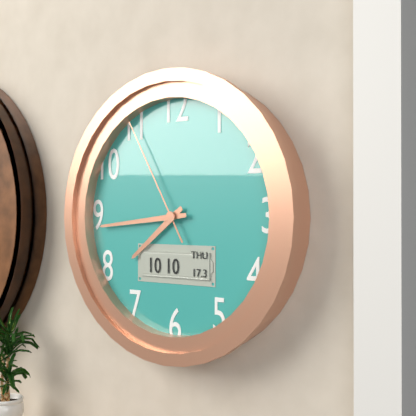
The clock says {"hour": 7, "minute": 44, "second": 55}
